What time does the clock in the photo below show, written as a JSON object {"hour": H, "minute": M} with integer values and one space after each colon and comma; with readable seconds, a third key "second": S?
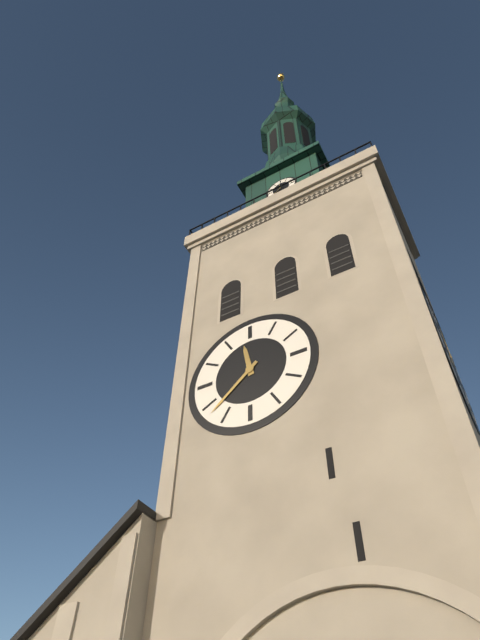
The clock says {"hour": 11, "minute": 38}
